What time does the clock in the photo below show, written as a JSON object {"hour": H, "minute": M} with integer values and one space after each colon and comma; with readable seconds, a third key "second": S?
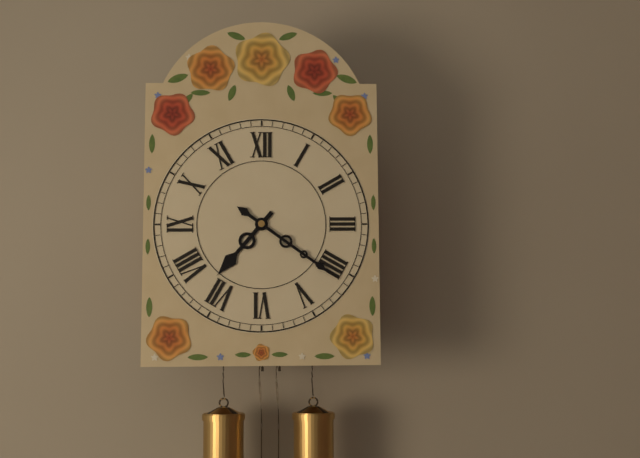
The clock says {"hour": 7, "minute": 21}
